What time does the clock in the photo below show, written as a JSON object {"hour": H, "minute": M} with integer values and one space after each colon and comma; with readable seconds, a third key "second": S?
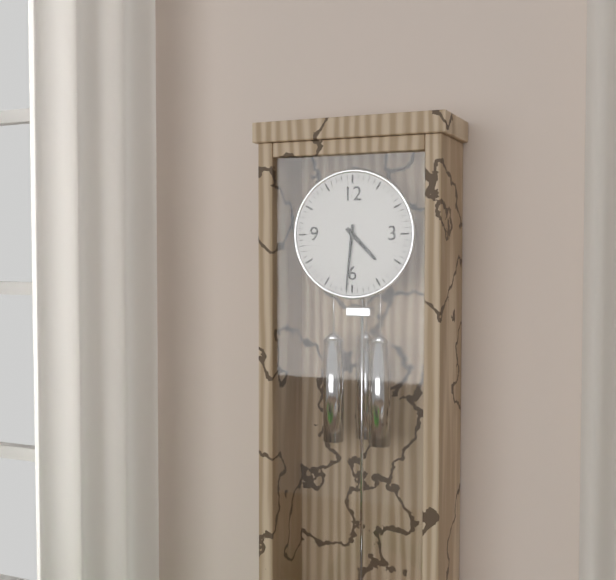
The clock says {"hour": 4, "minute": 31}
